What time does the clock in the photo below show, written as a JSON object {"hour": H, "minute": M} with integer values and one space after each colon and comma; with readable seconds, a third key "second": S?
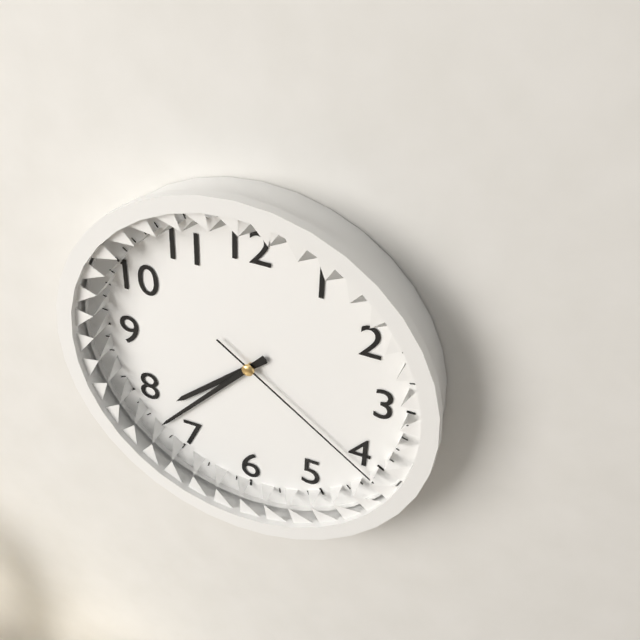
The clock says {"hour": 7, "minute": 37, "second": 21}
